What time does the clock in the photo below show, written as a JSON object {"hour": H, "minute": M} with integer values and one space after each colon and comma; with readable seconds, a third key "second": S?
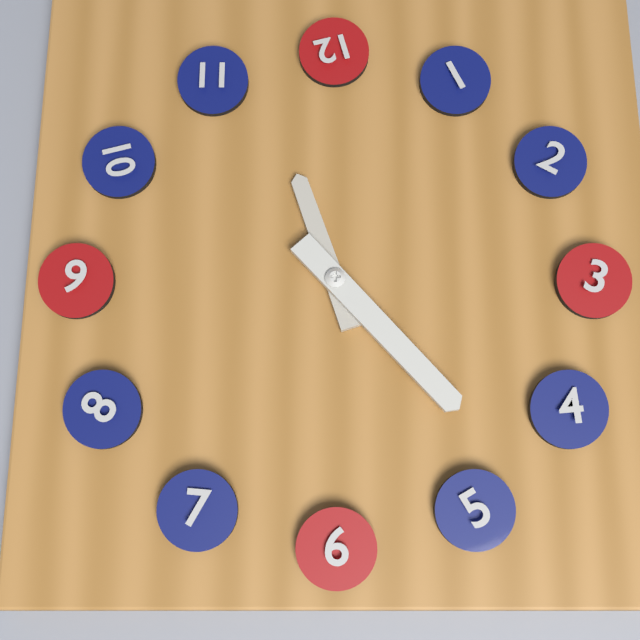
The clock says {"hour": 11, "minute": 23}
